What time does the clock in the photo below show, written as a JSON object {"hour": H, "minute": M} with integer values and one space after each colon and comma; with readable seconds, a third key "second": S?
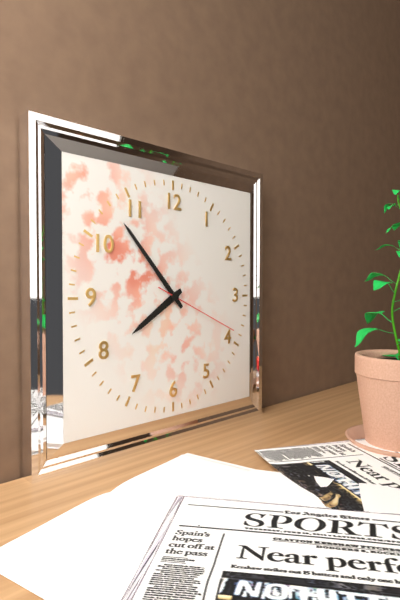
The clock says {"hour": 7, "minute": 53, "second": 19}
